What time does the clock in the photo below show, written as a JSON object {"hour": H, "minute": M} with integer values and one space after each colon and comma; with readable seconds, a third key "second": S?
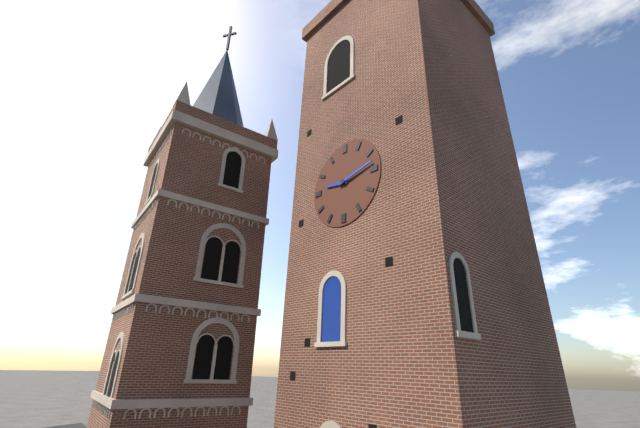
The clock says {"hour": 9, "minute": 13}
